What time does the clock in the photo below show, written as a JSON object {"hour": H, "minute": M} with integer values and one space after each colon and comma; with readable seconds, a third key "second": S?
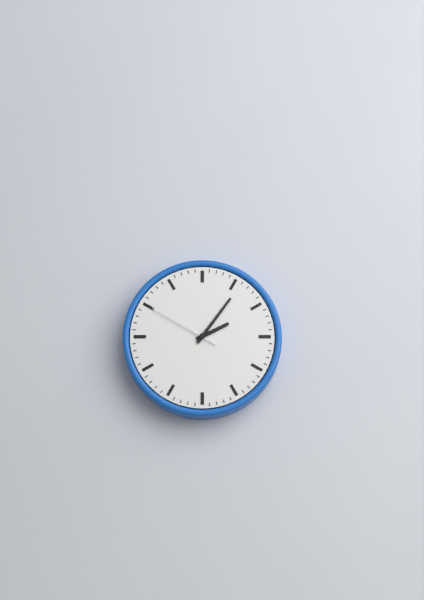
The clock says {"hour": 2, "minute": 6, "second": 50}
